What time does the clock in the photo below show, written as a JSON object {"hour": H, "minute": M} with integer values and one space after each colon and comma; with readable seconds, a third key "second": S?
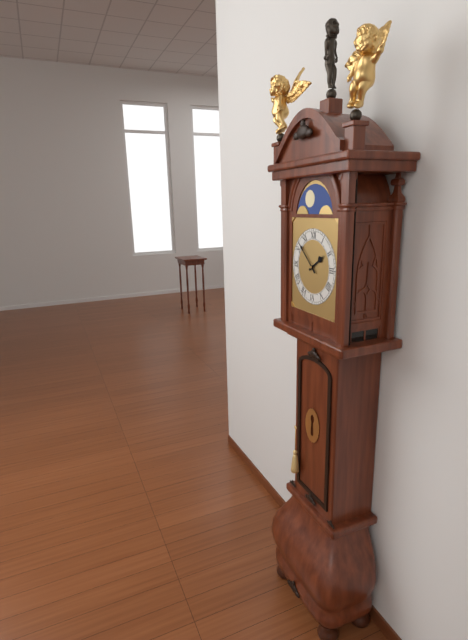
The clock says {"hour": 1, "minute": 52}
